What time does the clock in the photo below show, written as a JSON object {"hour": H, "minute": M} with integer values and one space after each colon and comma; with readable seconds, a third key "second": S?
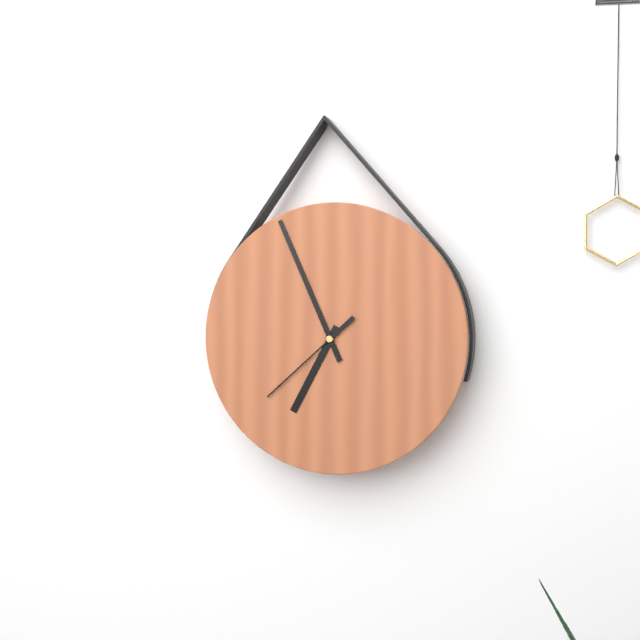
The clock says {"hour": 6, "minute": 56, "second": 38}
